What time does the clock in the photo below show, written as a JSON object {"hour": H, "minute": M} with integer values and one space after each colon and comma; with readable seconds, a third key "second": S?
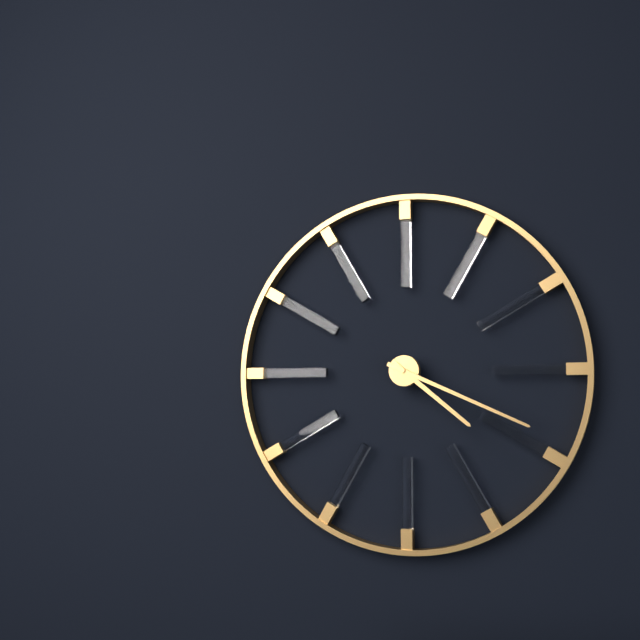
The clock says {"hour": 4, "minute": 19}
